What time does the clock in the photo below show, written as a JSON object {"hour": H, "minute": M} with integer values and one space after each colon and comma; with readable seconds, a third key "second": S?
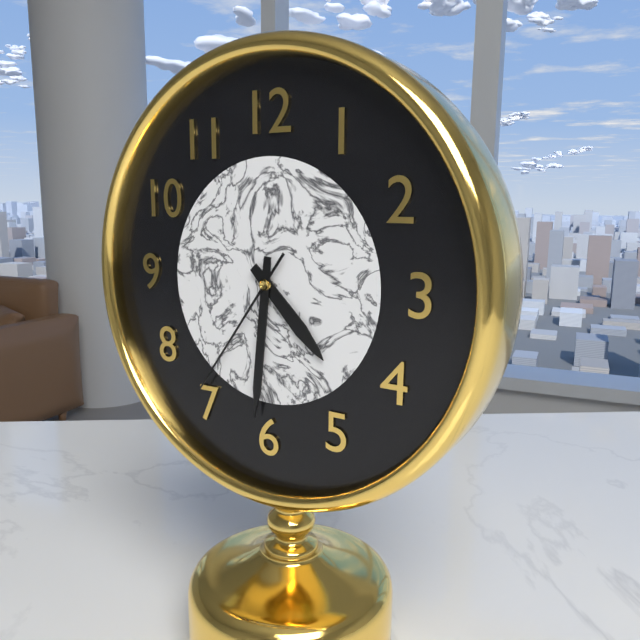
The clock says {"hour": 4, "minute": 31, "second": 36}
